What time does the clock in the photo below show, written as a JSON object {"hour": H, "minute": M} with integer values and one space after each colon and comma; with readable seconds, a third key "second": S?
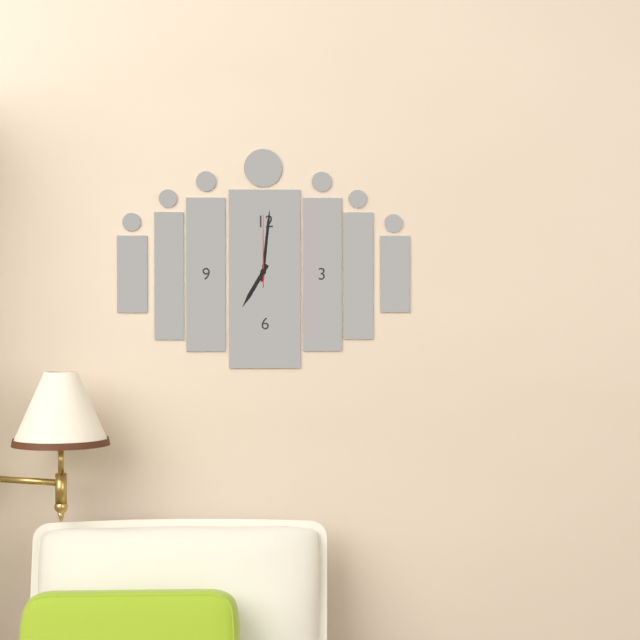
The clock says {"hour": 7, "minute": 1, "second": 0}
